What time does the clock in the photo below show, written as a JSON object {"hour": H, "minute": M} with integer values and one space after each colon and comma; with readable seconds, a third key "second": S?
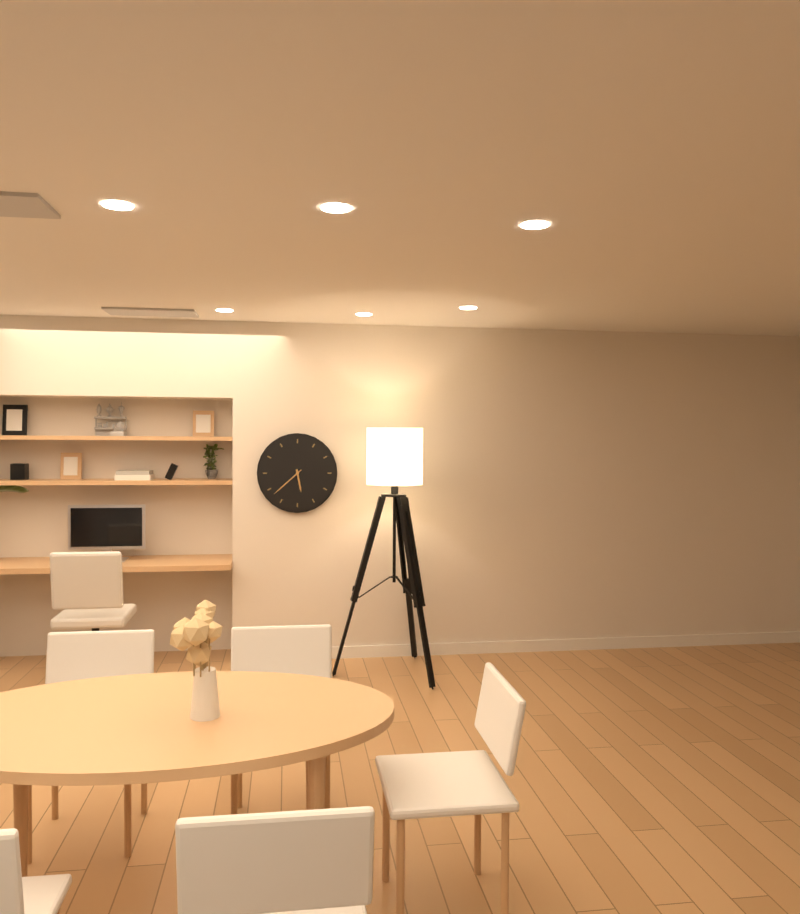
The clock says {"hour": 5, "minute": 38}
